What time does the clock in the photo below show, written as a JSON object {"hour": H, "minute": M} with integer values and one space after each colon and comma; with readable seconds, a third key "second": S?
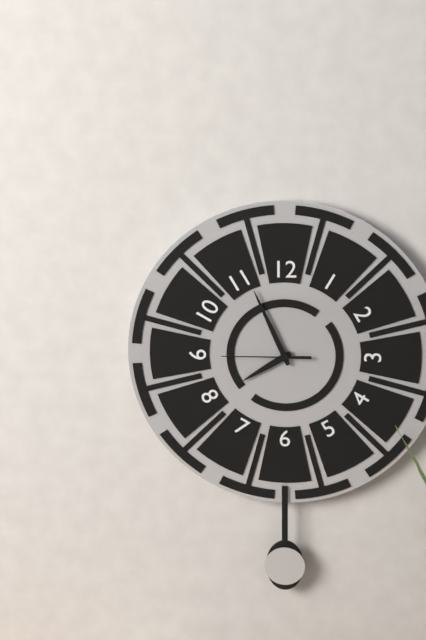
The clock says {"hour": 7, "minute": 56, "second": 45}
